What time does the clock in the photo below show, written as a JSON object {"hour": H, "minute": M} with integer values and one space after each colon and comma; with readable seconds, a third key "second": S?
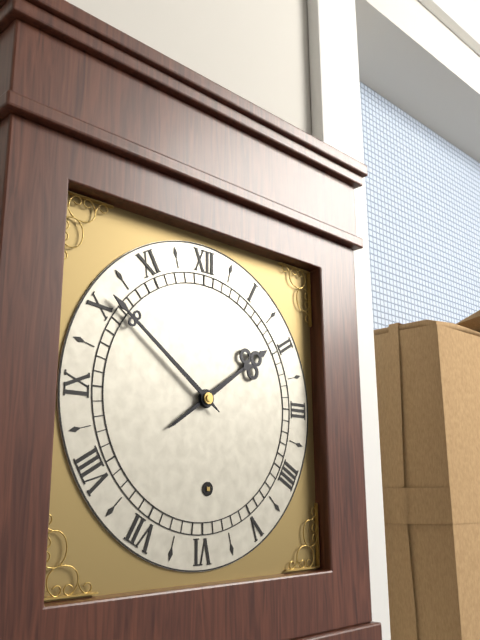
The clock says {"hour": 1, "minute": 51}
